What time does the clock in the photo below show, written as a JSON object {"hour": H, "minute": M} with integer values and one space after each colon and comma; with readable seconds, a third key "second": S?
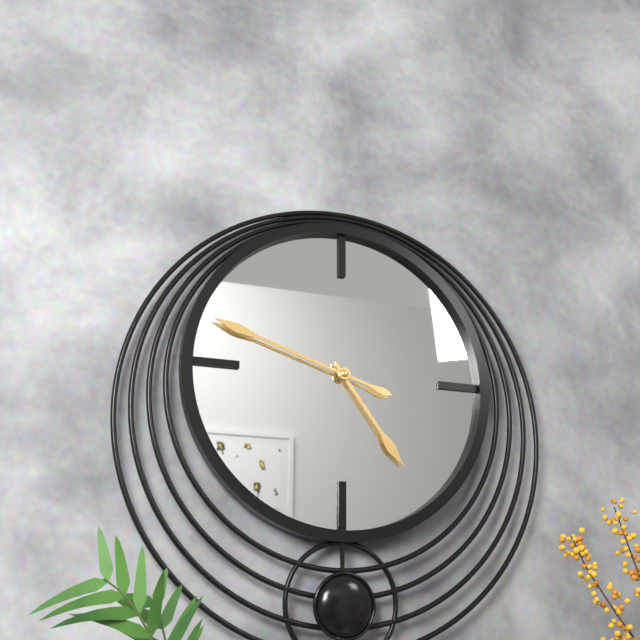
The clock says {"hour": 4, "minute": 48}
